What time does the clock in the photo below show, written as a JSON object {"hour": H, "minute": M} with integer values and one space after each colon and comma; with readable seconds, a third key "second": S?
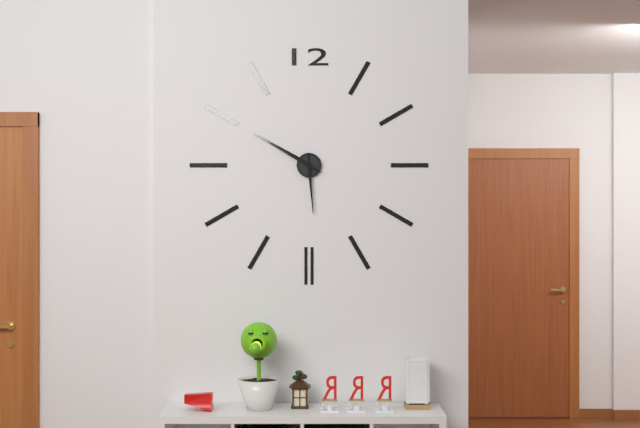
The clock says {"hour": 5, "minute": 50}
